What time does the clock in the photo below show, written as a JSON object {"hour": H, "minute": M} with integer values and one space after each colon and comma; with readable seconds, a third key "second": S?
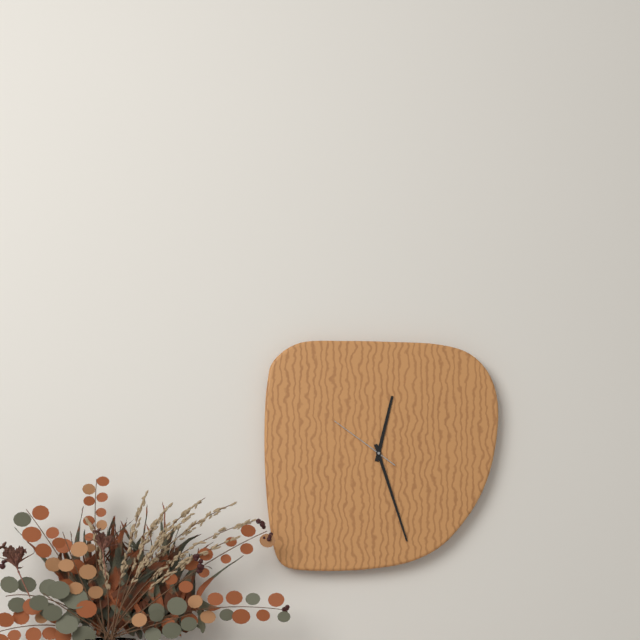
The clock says {"hour": 12, "minute": 27, "second": 51}
